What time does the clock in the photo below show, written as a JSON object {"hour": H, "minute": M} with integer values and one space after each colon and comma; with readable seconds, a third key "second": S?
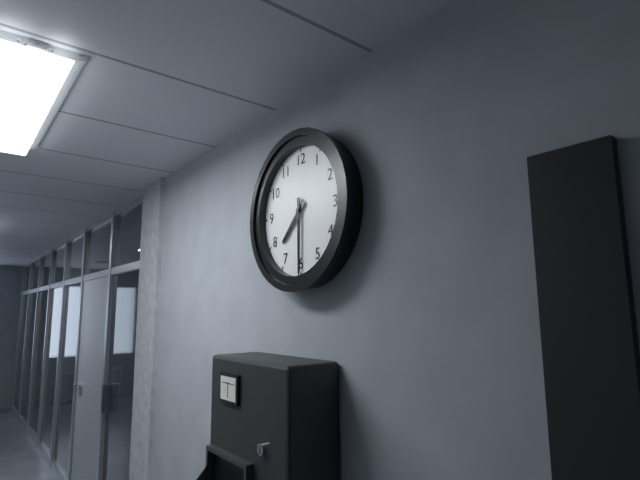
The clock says {"hour": 7, "minute": 30}
